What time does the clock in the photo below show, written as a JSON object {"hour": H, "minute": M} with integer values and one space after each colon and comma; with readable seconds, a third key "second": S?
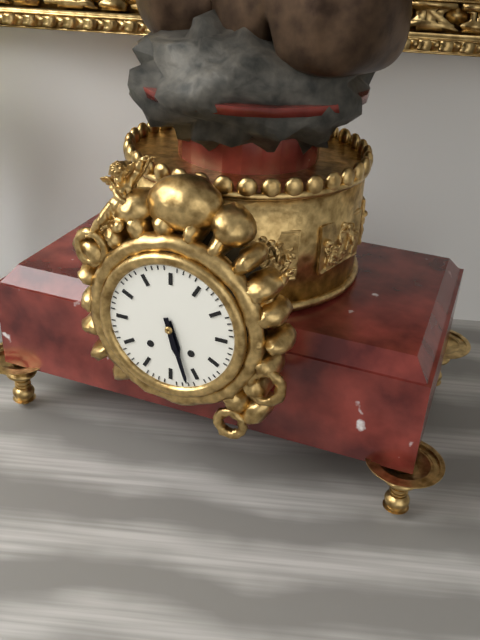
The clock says {"hour": 5, "minute": 27}
